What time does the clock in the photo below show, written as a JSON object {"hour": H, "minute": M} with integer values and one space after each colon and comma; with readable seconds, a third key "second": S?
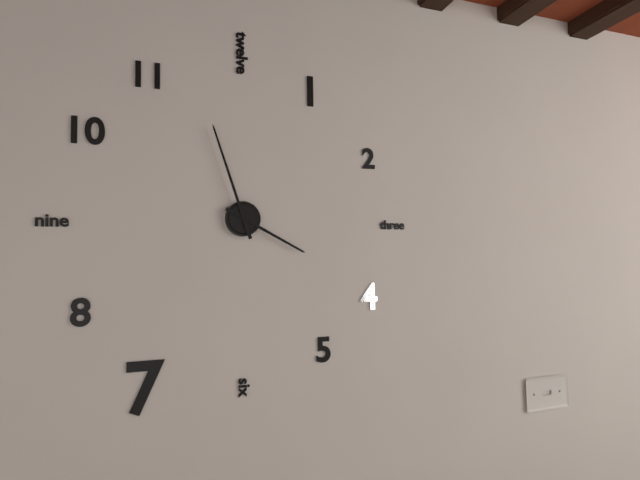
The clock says {"hour": 3, "minute": 57}
